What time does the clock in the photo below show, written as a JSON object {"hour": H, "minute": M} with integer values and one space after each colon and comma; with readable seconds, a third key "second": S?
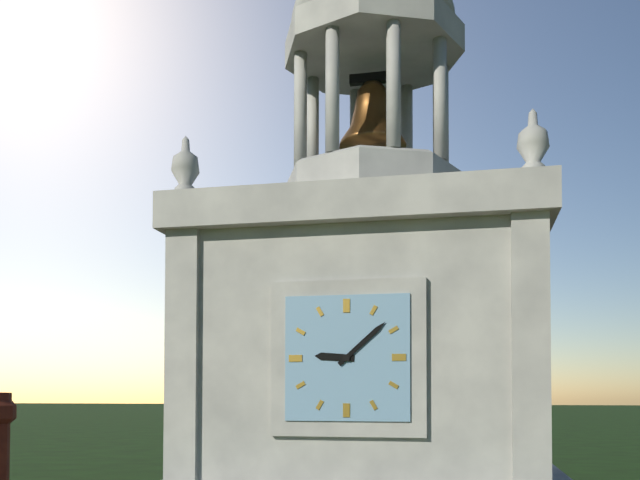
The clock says {"hour": 9, "minute": 8}
